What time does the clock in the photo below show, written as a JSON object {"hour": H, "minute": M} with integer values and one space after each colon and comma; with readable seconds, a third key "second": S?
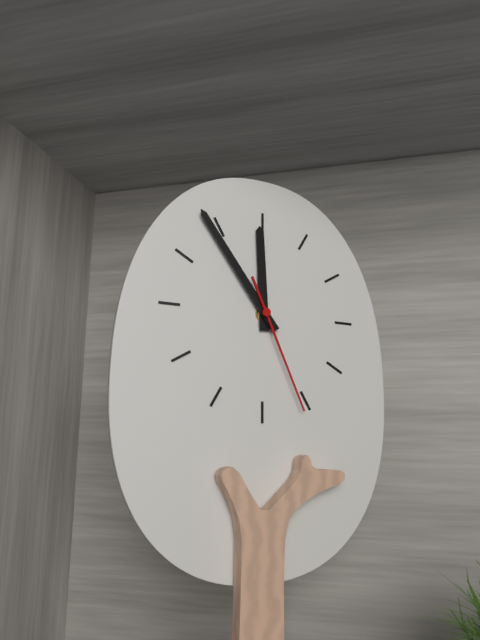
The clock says {"hour": 11, "minute": 54, "second": 26}
